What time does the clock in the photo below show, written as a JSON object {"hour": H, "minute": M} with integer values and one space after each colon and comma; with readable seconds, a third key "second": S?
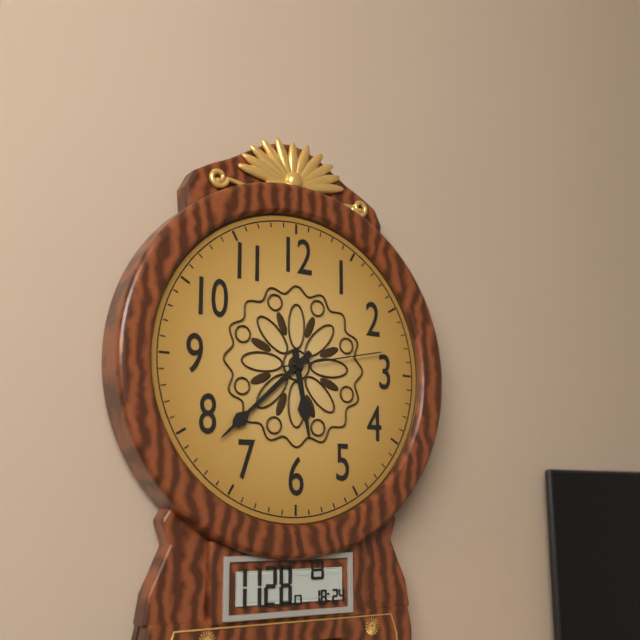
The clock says {"hour": 5, "minute": 38, "second": 13}
